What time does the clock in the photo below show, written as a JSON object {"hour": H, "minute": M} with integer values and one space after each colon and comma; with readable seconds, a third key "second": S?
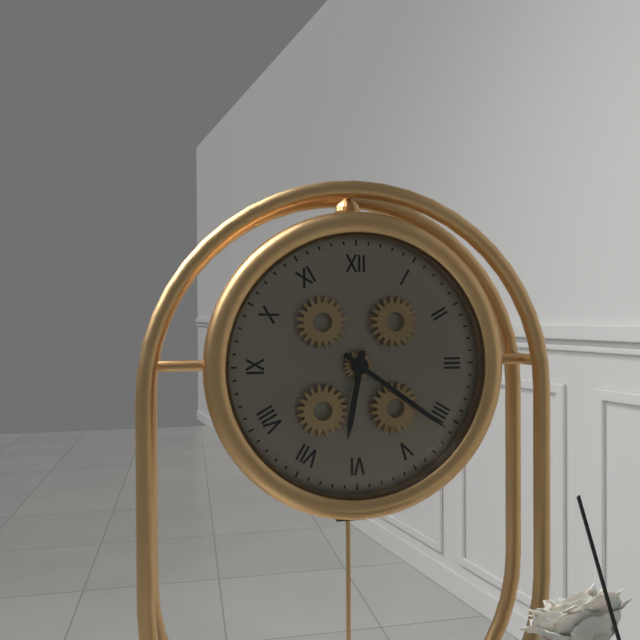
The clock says {"hour": 6, "minute": 21}
